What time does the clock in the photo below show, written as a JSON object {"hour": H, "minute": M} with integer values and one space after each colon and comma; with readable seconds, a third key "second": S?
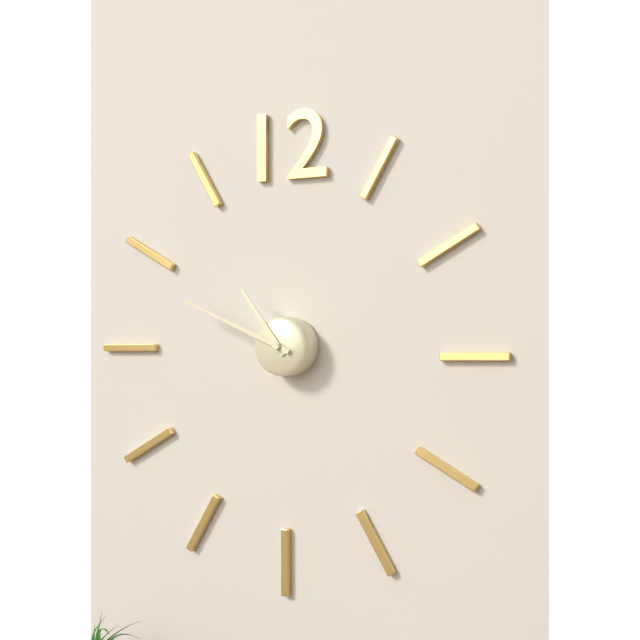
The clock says {"hour": 10, "minute": 49}
